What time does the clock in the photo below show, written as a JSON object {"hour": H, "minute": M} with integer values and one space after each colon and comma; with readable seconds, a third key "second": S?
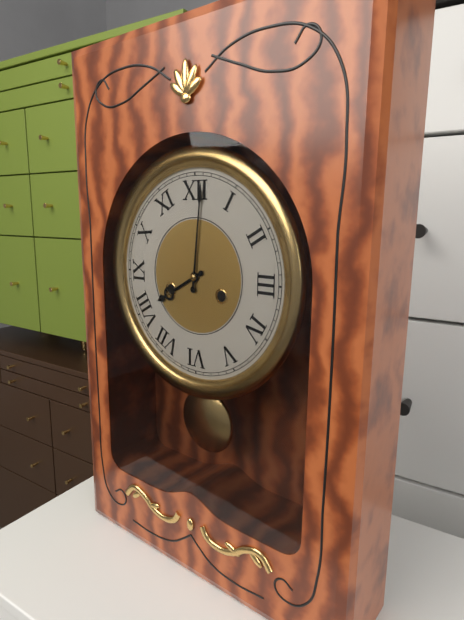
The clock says {"hour": 8, "minute": 1}
